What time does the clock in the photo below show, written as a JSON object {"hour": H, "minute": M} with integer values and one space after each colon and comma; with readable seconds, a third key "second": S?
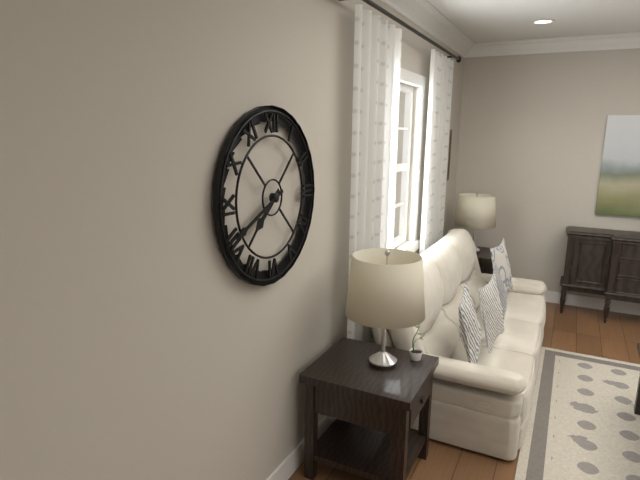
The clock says {"hour": 7, "minute": 41}
